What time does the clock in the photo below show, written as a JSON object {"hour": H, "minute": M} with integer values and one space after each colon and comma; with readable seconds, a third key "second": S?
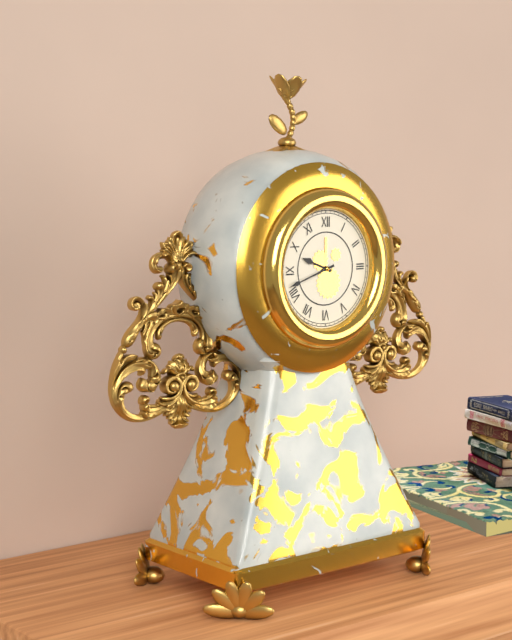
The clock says {"hour": 9, "minute": 42}
